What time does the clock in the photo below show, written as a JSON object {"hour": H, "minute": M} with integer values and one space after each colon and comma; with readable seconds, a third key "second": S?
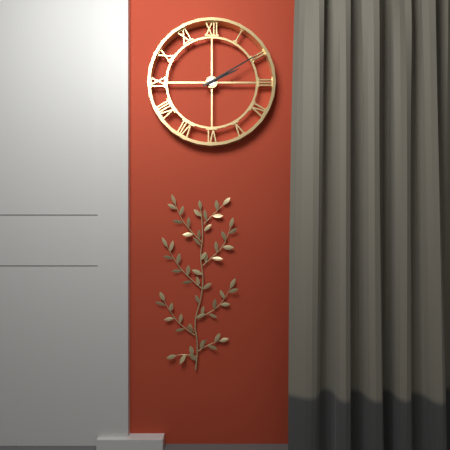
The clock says {"hour": 2, "minute": 10}
